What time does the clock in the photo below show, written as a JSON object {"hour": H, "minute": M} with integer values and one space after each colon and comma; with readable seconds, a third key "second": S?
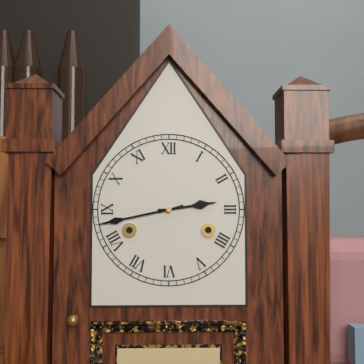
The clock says {"hour": 2, "minute": 43}
